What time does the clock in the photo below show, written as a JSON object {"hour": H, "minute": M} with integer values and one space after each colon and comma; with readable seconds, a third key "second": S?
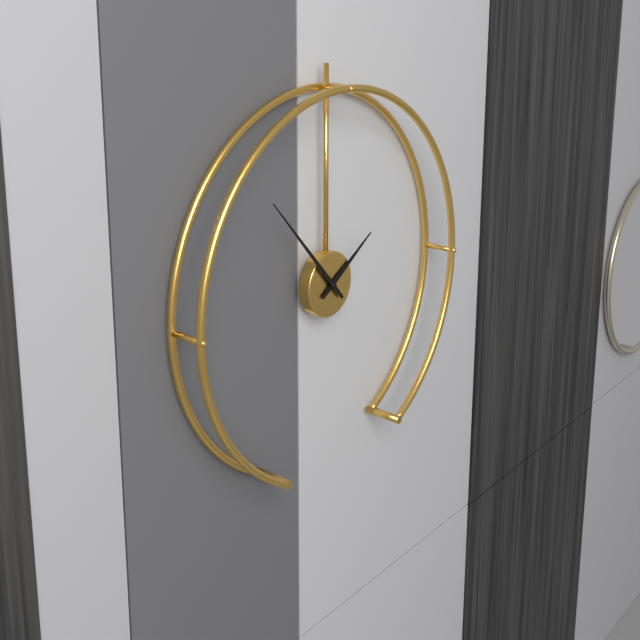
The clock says {"hour": 1, "minute": 53}
